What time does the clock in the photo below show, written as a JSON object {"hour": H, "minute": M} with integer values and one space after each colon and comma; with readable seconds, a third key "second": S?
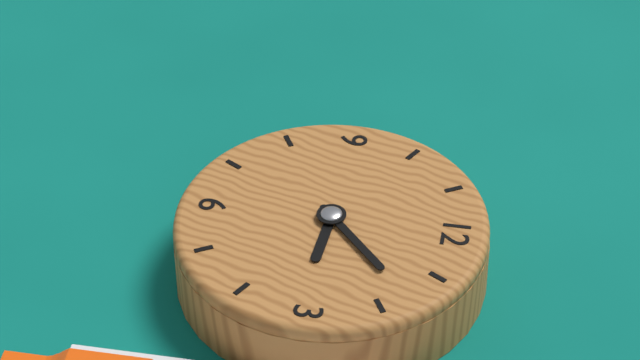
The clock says {"hour": 3, "minute": 8}
